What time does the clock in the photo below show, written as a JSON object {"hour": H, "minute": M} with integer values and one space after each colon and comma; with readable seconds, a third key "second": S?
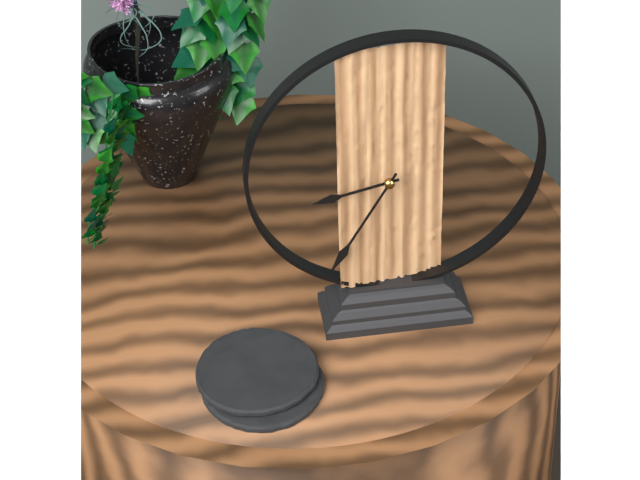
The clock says {"hour": 8, "minute": 35}
